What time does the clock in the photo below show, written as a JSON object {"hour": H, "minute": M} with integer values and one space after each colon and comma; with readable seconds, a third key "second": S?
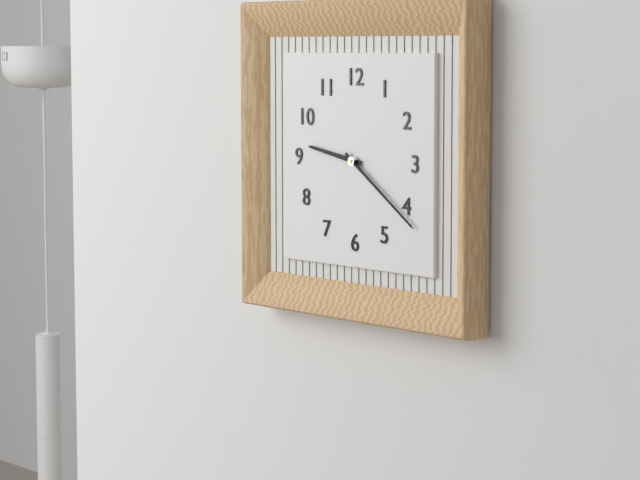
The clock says {"hour": 9, "minute": 21}
